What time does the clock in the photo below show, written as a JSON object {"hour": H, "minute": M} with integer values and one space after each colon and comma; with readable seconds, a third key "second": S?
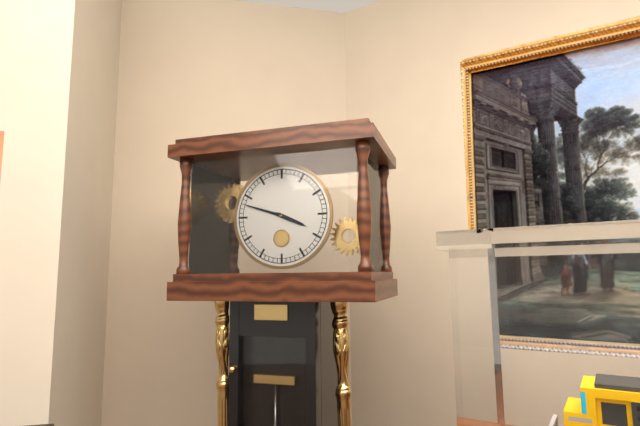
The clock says {"hour": 3, "minute": 48}
